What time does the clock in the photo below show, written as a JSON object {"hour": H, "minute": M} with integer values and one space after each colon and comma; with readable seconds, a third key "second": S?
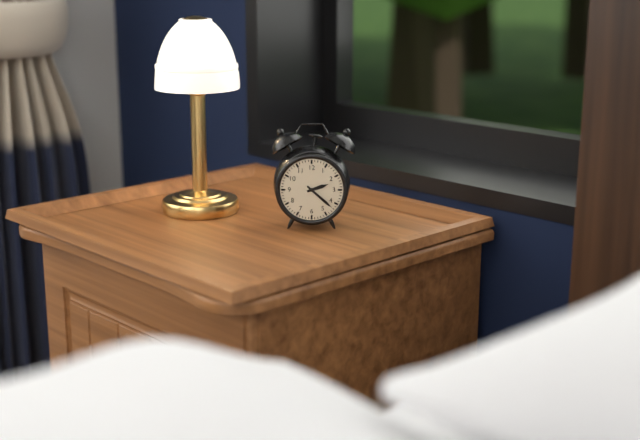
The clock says {"hour": 2, "minute": 22}
